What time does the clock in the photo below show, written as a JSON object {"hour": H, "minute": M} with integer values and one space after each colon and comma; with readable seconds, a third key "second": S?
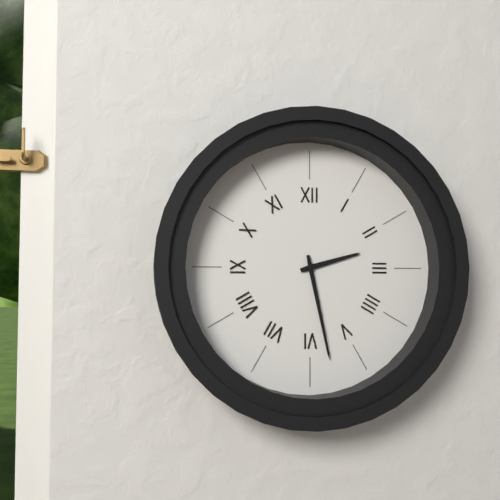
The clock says {"hour": 2, "minute": 28}
